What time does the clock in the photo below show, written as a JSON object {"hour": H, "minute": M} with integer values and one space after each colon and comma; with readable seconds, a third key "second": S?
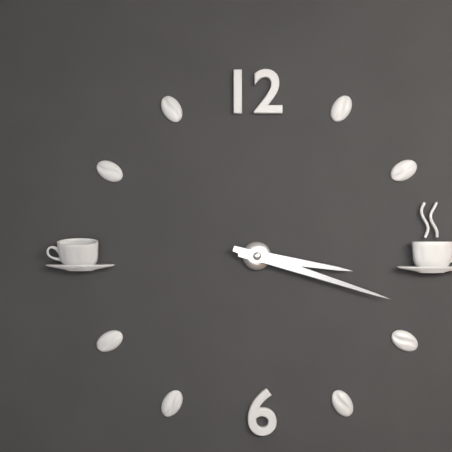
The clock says {"hour": 3, "minute": 18}
